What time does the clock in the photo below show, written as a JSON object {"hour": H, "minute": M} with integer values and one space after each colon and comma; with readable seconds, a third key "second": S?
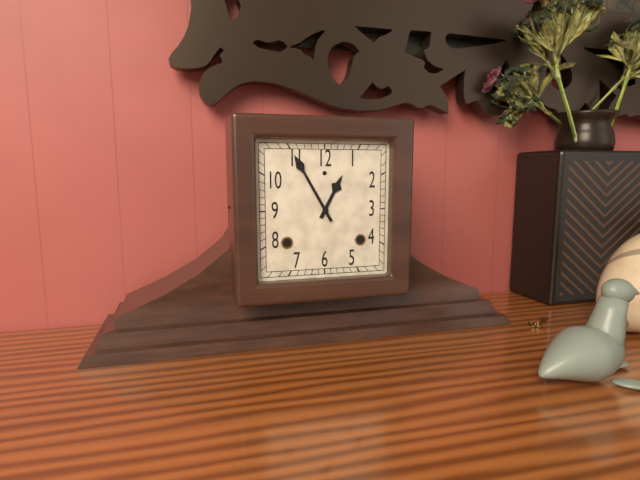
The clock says {"hour": 12, "minute": 55}
